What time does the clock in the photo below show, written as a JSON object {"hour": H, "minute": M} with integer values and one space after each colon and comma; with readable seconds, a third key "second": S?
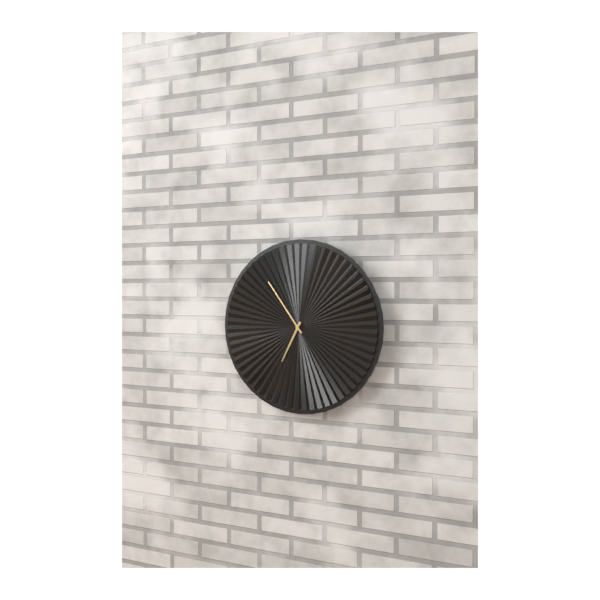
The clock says {"hour": 6, "minute": 54}
